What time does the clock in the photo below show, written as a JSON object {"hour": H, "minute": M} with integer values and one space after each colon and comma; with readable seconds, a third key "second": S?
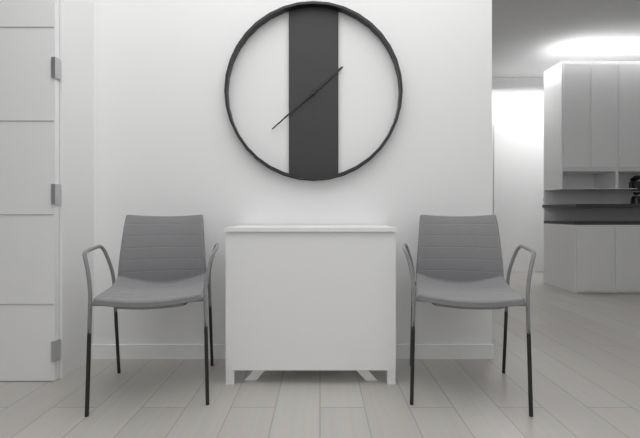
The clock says {"hour": 1, "minute": 38}
